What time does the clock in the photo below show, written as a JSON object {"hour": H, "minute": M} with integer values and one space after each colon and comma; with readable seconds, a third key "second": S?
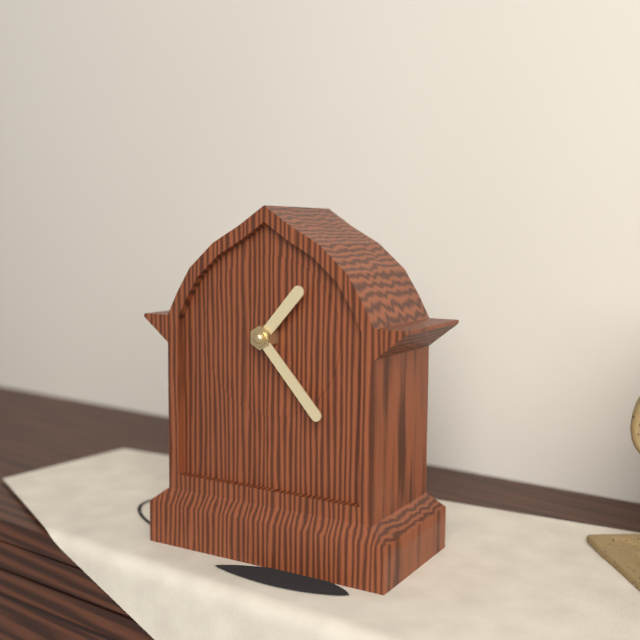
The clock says {"hour": 1, "minute": 23}
